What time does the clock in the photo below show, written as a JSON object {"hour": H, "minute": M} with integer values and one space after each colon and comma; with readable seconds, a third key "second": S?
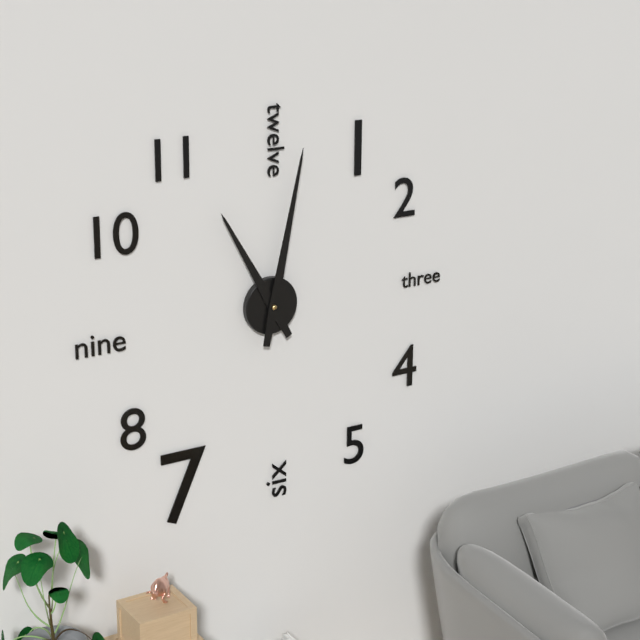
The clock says {"hour": 11, "minute": 2}
